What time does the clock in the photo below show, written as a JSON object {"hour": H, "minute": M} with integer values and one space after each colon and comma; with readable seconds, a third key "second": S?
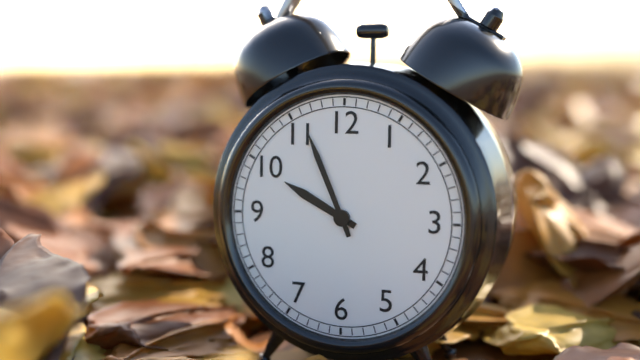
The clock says {"hour": 9, "minute": 56}
